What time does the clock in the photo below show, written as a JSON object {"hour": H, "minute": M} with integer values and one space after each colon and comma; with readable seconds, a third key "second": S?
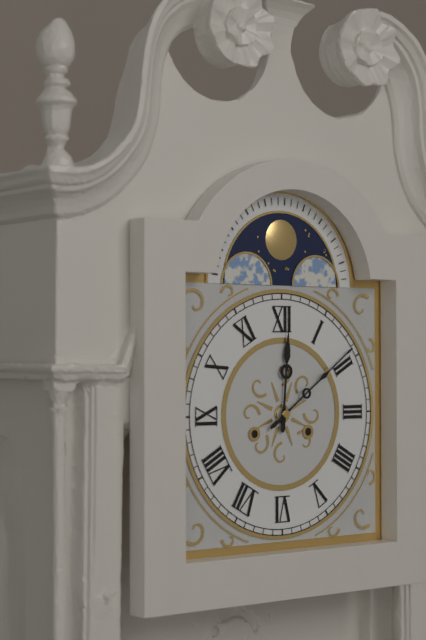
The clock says {"hour": 12, "minute": 9}
